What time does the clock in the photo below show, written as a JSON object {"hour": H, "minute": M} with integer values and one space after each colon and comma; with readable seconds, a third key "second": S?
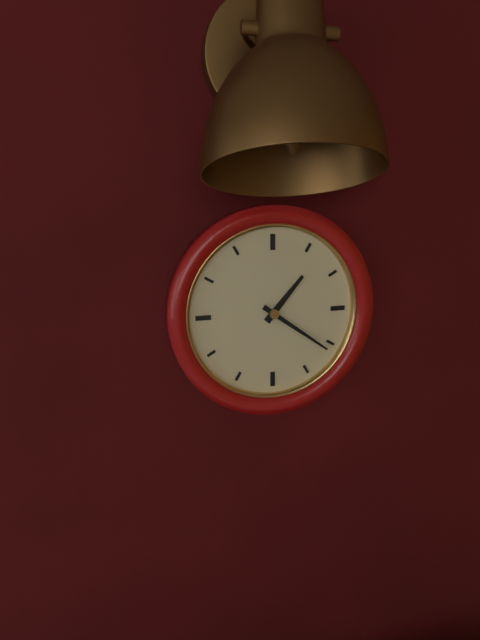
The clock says {"hour": 1, "minute": 21}
